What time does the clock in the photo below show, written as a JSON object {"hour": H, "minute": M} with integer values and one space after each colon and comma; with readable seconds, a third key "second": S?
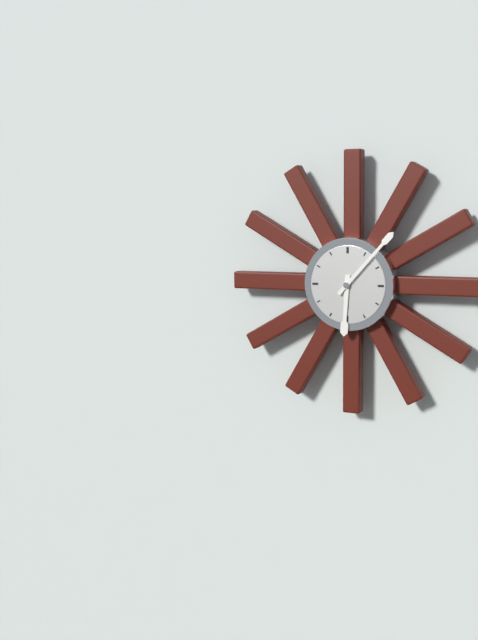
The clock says {"hour": 6, "minute": 7}
